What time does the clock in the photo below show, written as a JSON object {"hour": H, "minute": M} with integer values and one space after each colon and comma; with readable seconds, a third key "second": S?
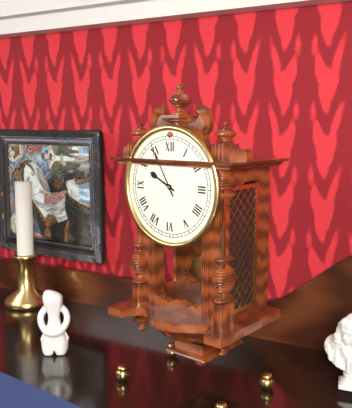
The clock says {"hour": 9, "minute": 55}
